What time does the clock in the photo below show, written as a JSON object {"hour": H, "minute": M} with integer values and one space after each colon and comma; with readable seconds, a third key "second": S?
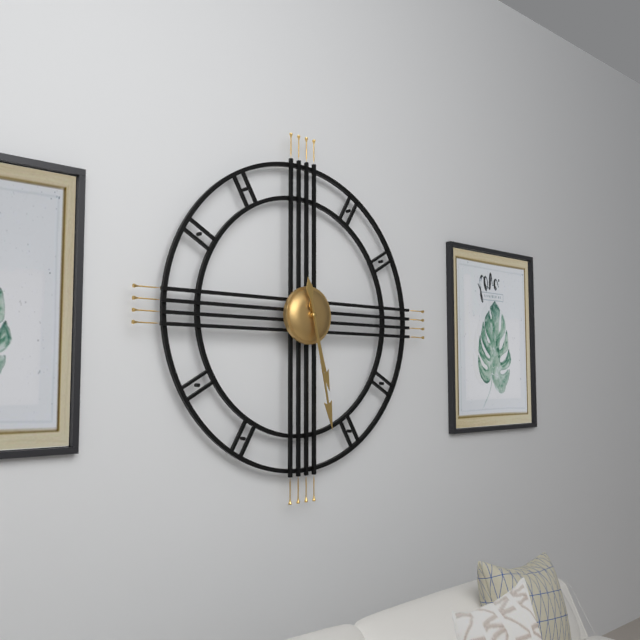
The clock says {"hour": 5, "minute": 28}
